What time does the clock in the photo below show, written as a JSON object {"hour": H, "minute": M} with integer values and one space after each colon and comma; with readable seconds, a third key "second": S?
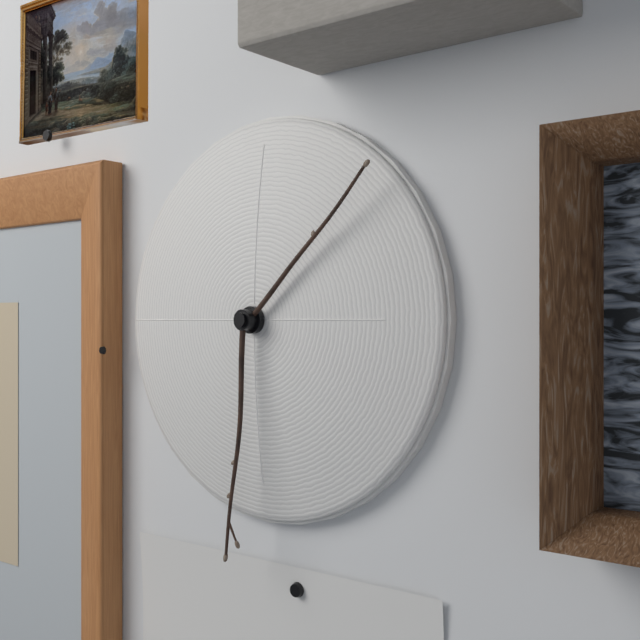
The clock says {"hour": 1, "minute": 31}
